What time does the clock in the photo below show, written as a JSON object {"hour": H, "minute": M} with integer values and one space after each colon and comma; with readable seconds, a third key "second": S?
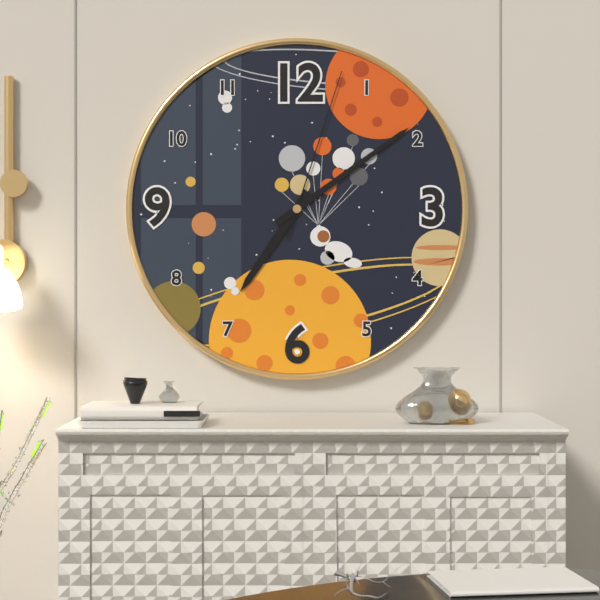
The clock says {"hour": 7, "minute": 9, "second": 3}
